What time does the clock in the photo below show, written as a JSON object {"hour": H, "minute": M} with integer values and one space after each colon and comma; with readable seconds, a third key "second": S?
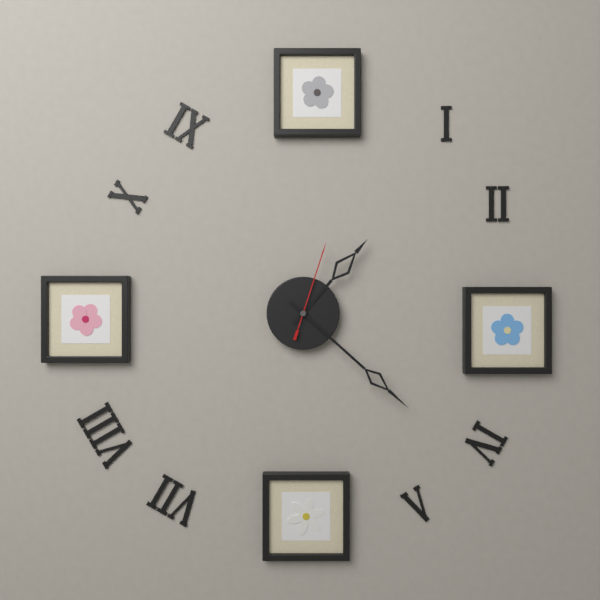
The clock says {"hour": 1, "minute": 22, "second": 3}
